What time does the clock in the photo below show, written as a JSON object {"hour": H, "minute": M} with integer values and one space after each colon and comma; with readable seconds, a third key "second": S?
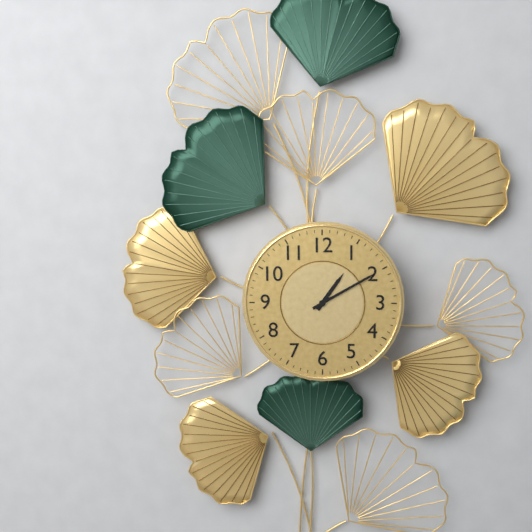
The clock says {"hour": 1, "minute": 10}
